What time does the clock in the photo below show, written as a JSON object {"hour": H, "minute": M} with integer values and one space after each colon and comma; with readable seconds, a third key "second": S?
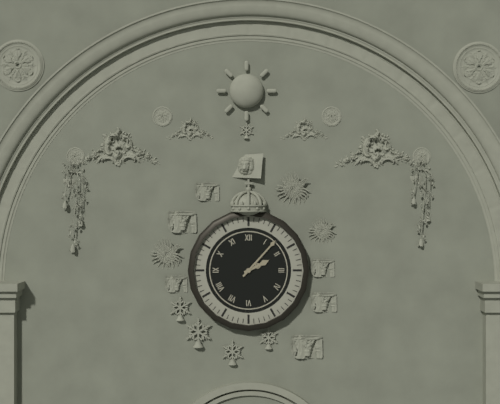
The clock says {"hour": 2, "minute": 7}
